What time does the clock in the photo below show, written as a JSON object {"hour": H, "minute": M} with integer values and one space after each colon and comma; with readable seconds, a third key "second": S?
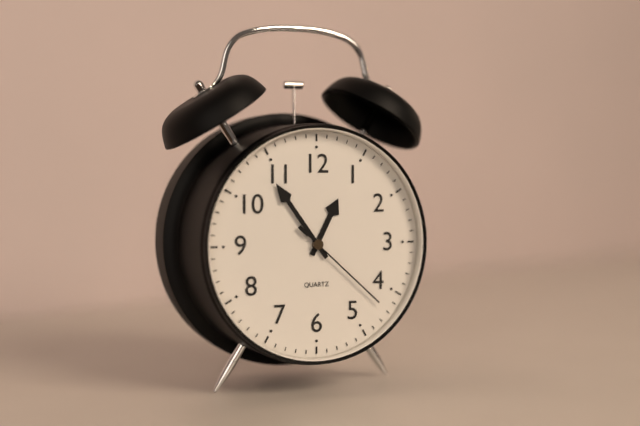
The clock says {"hour": 12, "minute": 54, "second": 22}
